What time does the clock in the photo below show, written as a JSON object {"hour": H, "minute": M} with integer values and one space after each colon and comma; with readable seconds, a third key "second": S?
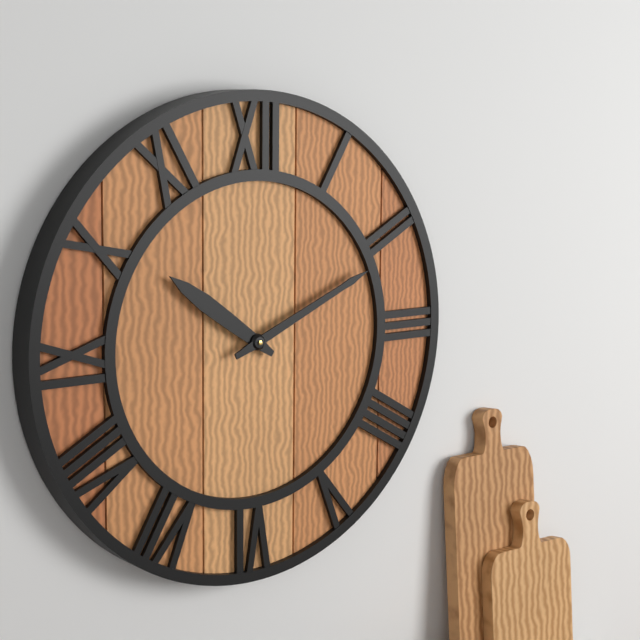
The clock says {"hour": 10, "minute": 11}
